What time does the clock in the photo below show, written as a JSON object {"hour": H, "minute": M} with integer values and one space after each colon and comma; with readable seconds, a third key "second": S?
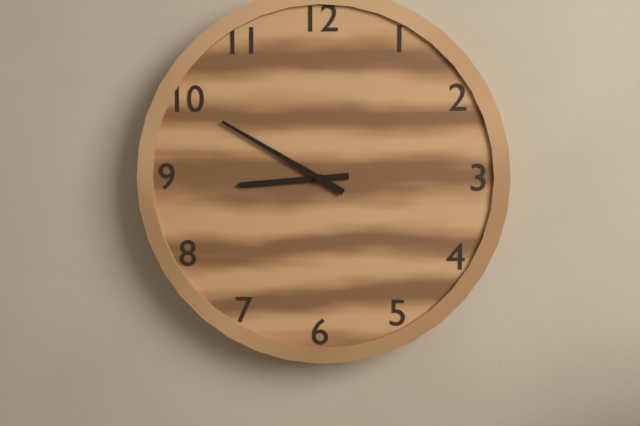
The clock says {"hour": 8, "minute": 50}
